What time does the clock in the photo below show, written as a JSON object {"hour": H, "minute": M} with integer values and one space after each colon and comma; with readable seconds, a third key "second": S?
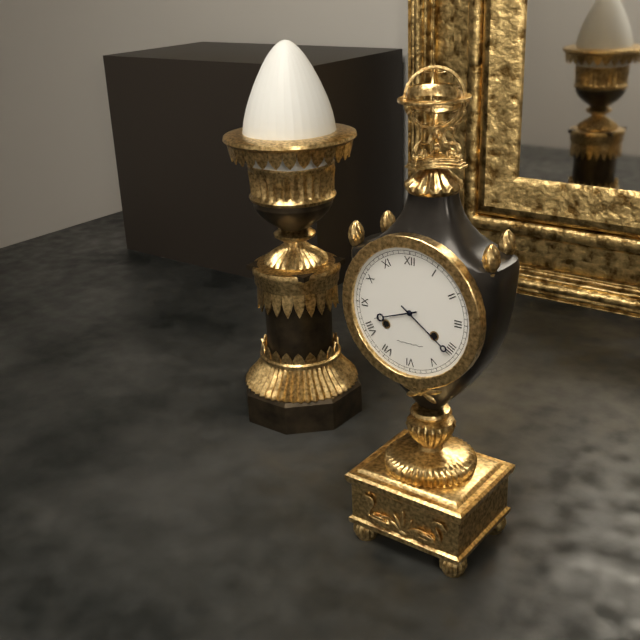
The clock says {"hour": 8, "minute": 21}
